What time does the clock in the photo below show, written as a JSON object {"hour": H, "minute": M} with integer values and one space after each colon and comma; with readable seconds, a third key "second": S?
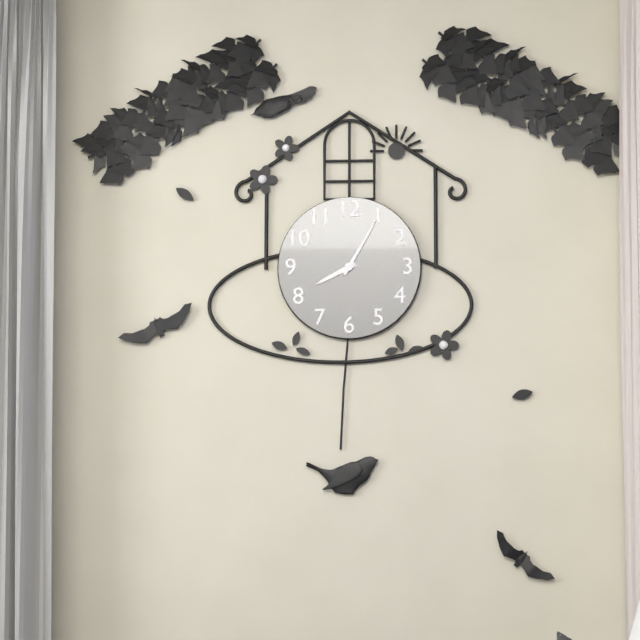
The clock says {"hour": 8, "minute": 5}
